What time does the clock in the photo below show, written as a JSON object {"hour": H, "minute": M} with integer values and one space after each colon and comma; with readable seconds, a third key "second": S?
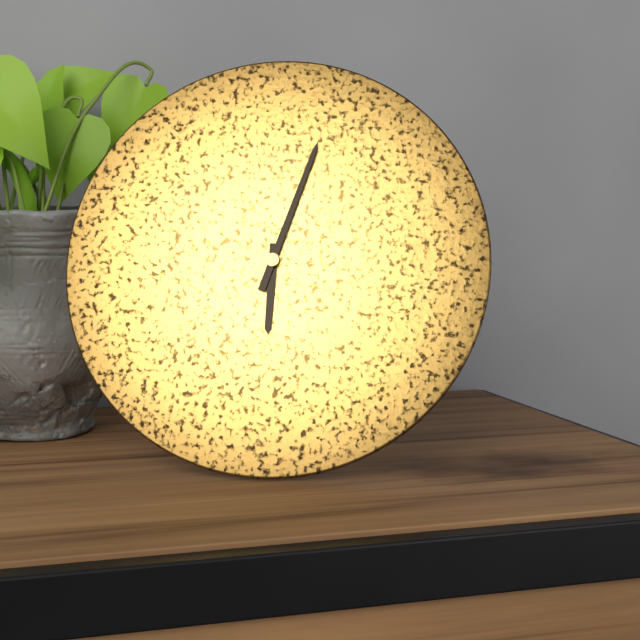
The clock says {"hour": 6, "minute": 3}
